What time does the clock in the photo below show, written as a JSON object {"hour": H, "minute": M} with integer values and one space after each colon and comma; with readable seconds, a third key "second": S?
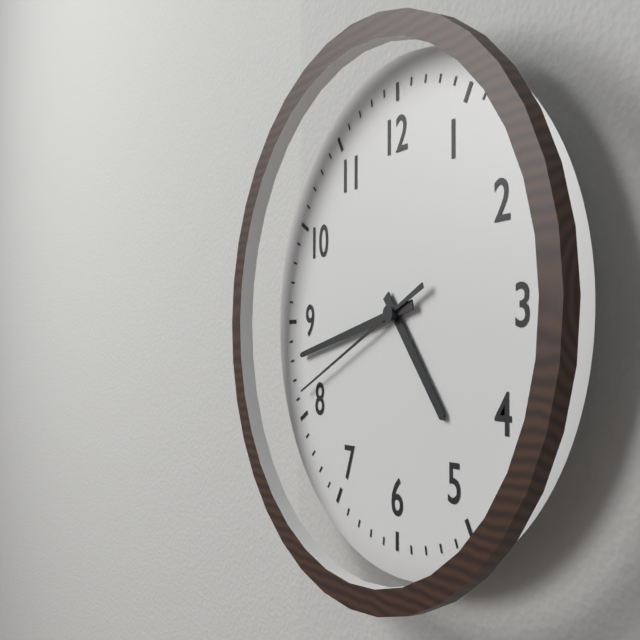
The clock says {"hour": 4, "minute": 43, "second": 41}
